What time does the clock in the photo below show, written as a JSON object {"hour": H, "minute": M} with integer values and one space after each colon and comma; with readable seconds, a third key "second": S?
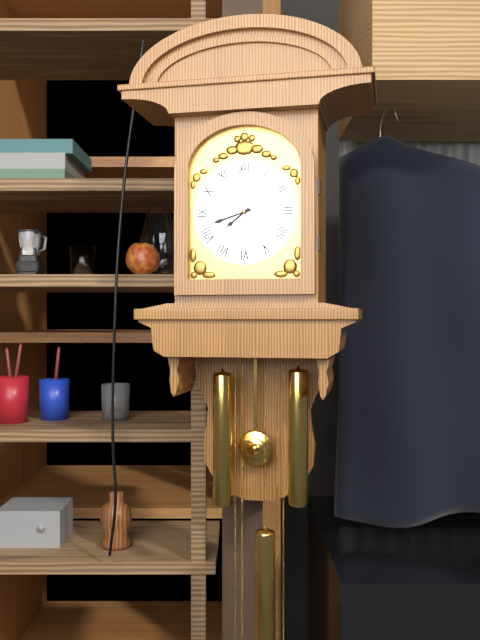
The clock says {"hour": 7, "minute": 42}
